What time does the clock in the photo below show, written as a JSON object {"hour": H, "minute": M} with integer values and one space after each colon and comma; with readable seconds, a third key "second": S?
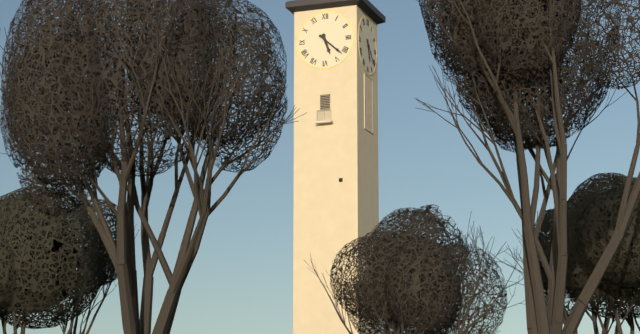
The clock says {"hour": 5, "minute": 22}
